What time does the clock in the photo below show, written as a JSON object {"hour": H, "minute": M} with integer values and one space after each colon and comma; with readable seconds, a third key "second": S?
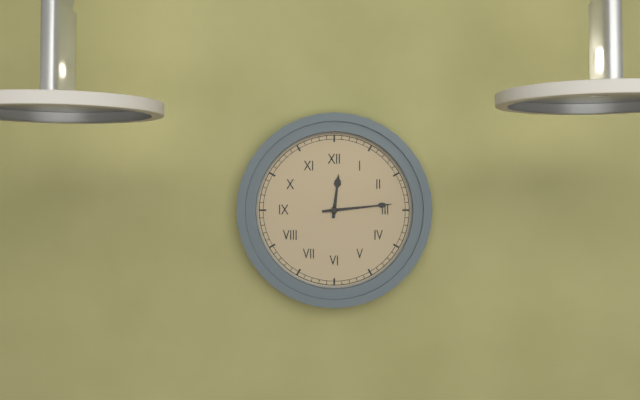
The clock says {"hour": 12, "minute": 14}
